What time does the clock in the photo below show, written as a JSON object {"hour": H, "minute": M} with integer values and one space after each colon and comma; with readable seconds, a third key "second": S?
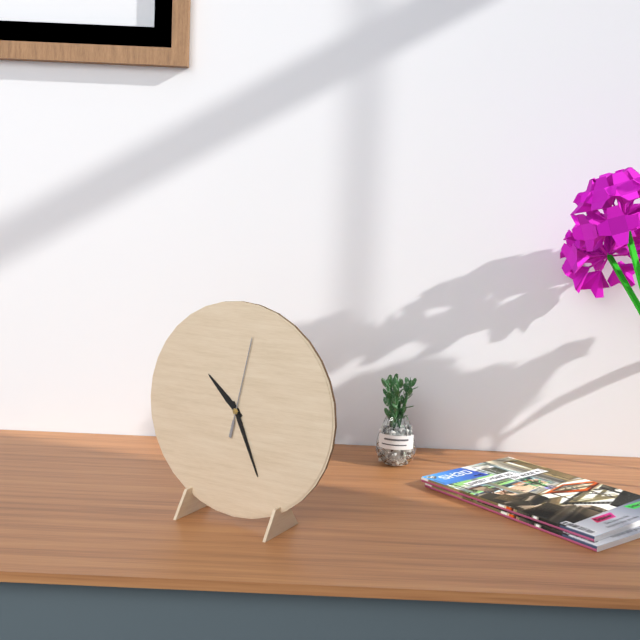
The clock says {"hour": 10, "minute": 26, "second": 2}
